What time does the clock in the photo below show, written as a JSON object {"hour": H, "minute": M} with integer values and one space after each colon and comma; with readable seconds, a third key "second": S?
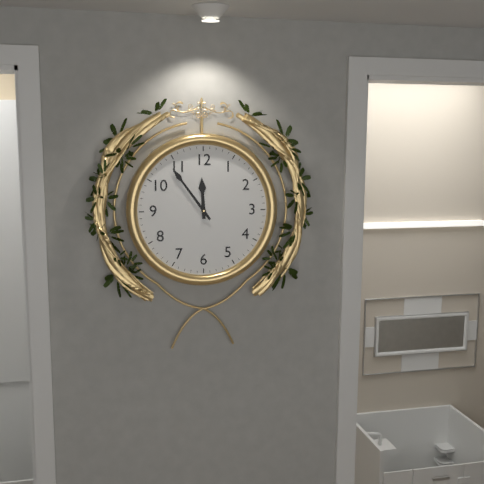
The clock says {"hour": 11, "minute": 54}
